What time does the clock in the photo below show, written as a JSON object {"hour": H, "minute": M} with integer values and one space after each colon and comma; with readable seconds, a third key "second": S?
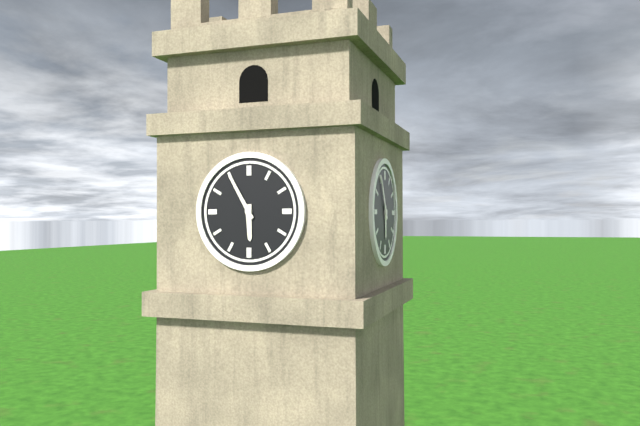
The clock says {"hour": 5, "minute": 55}
